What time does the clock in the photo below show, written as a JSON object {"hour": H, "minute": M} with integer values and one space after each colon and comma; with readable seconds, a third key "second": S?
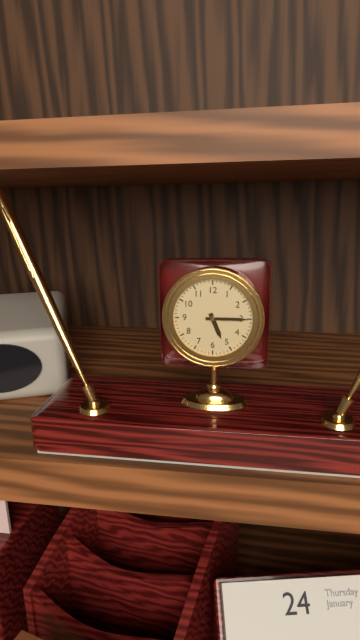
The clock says {"hour": 5, "minute": 15}
